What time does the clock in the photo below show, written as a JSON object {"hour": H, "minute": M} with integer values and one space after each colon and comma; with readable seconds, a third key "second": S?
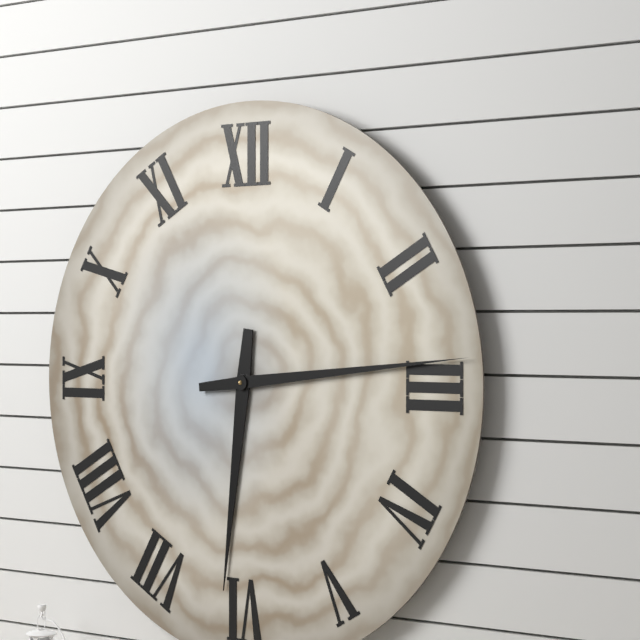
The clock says {"hour": 6, "minute": 14}
